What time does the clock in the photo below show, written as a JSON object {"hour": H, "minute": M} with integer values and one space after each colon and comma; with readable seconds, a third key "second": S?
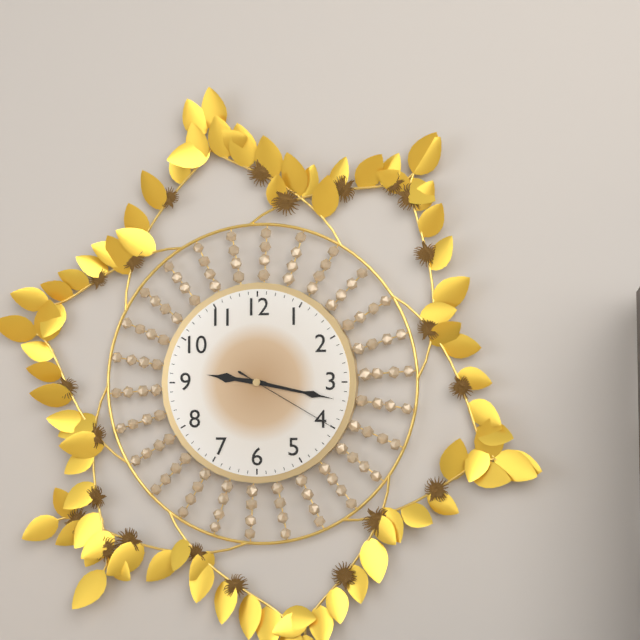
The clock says {"hour": 9, "minute": 17, "second": 20}
